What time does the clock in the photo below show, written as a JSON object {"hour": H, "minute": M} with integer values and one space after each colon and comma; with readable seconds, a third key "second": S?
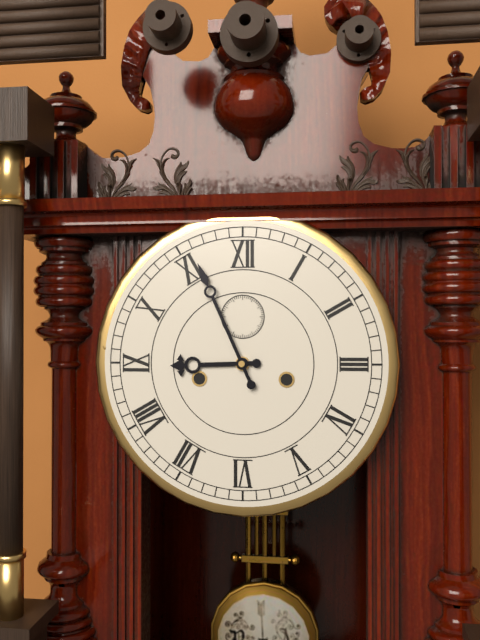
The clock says {"hour": 8, "minute": 56}
